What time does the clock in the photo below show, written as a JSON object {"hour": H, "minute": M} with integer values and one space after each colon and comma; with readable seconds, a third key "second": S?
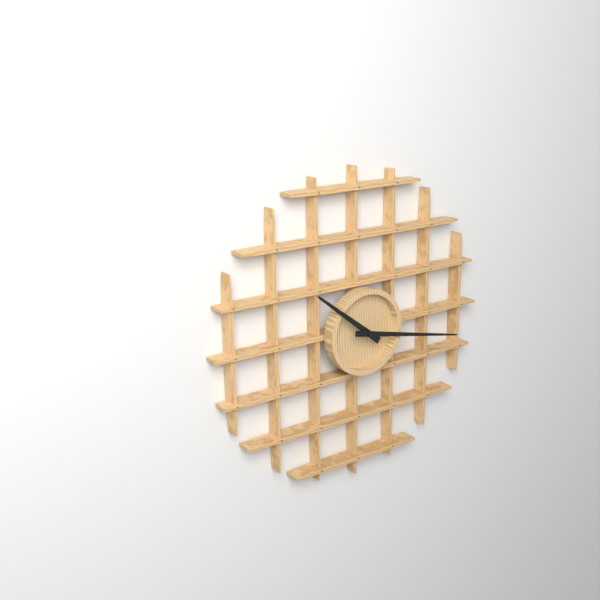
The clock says {"hour": 10, "minute": 17}
